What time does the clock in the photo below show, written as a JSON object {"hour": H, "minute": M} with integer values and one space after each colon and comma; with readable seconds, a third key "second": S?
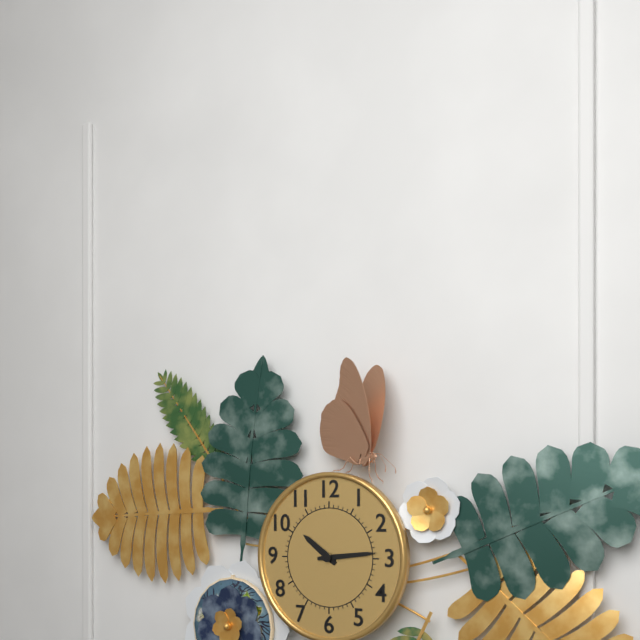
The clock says {"hour": 10, "minute": 14}
